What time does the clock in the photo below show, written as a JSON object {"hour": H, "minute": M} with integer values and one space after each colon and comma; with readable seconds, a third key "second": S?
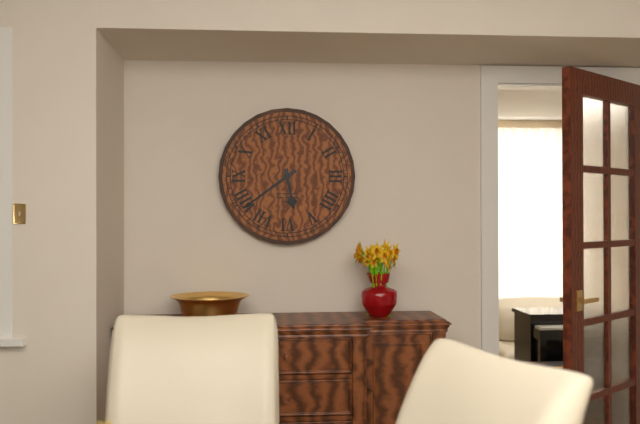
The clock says {"hour": 5, "minute": 39}
